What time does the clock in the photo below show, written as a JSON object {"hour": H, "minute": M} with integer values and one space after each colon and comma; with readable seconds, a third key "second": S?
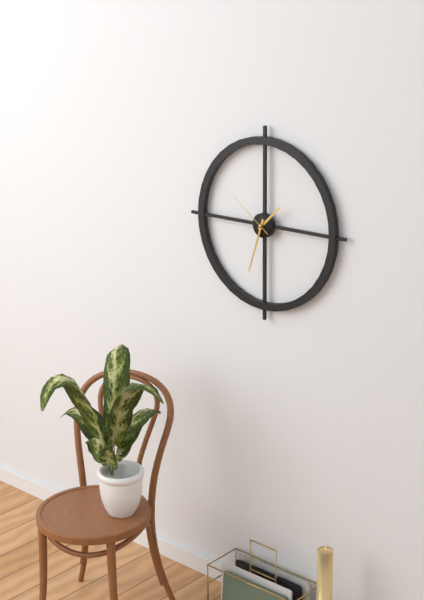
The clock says {"hour": 1, "minute": 33, "second": 51}
